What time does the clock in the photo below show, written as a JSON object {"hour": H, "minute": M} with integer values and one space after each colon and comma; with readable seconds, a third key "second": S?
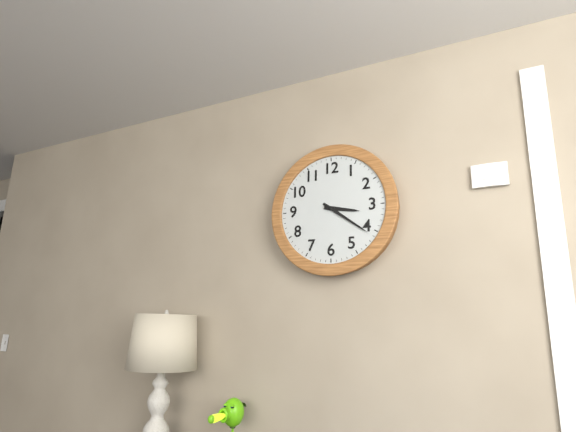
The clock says {"hour": 3, "minute": 21}
